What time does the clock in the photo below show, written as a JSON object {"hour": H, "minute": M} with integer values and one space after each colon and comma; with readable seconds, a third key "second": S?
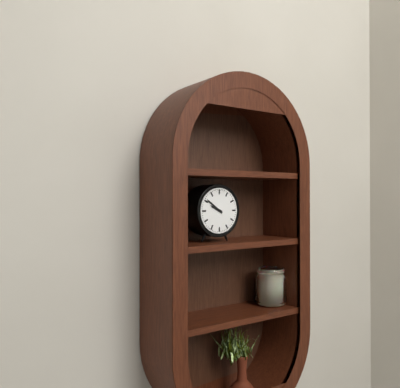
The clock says {"hour": 9, "minute": 51}
